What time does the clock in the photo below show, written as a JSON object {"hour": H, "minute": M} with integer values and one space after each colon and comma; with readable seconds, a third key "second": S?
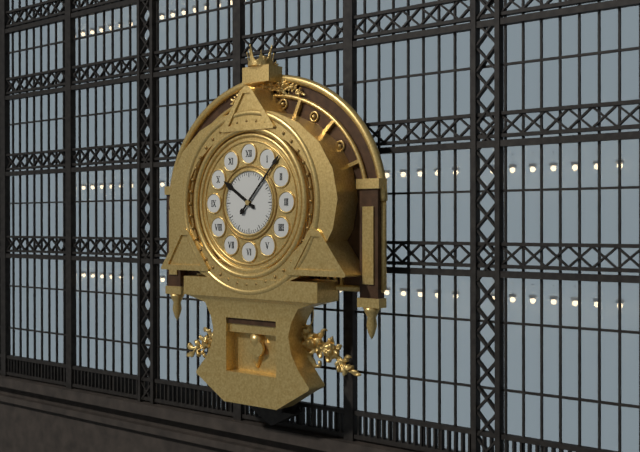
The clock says {"hour": 10, "minute": 7}
